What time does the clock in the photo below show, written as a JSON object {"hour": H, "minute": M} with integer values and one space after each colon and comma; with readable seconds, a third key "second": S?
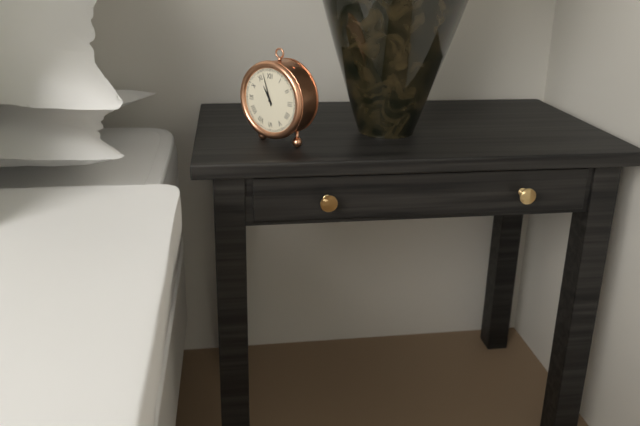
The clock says {"hour": 10, "minute": 57}
